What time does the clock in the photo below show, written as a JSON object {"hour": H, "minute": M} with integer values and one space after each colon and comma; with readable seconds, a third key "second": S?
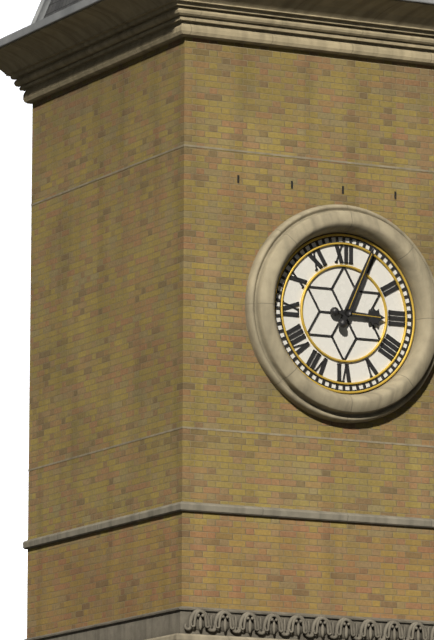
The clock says {"hour": 3, "minute": 4}
